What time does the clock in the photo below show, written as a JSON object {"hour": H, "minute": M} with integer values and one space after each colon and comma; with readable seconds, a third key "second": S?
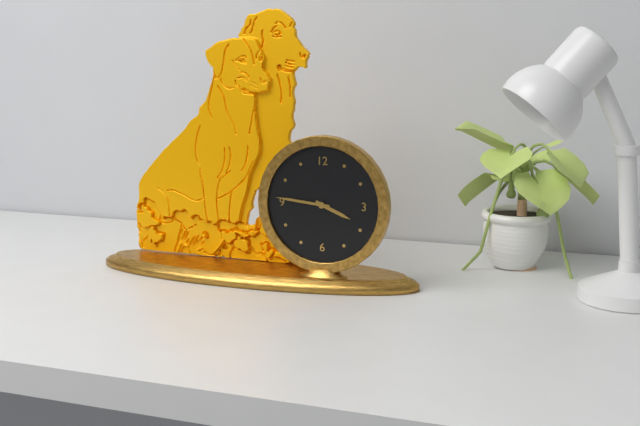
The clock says {"hour": 3, "minute": 46}
